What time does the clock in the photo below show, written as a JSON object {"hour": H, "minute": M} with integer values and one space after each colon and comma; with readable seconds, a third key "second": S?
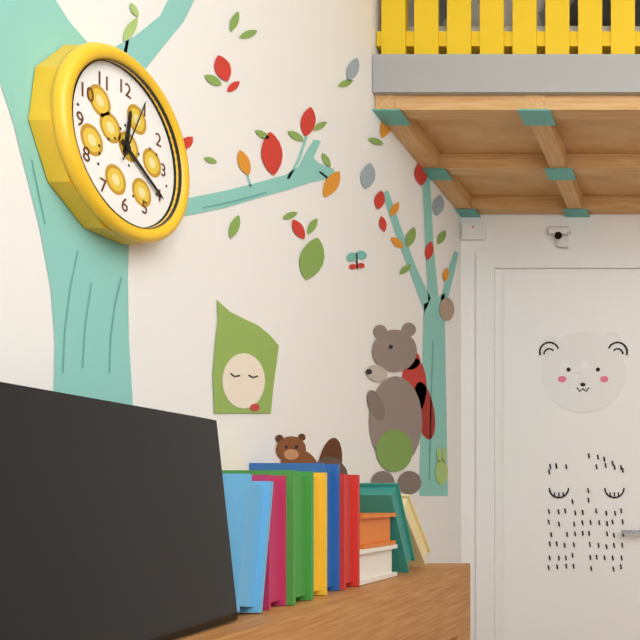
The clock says {"hour": 12, "minute": 20, "second": 4}
